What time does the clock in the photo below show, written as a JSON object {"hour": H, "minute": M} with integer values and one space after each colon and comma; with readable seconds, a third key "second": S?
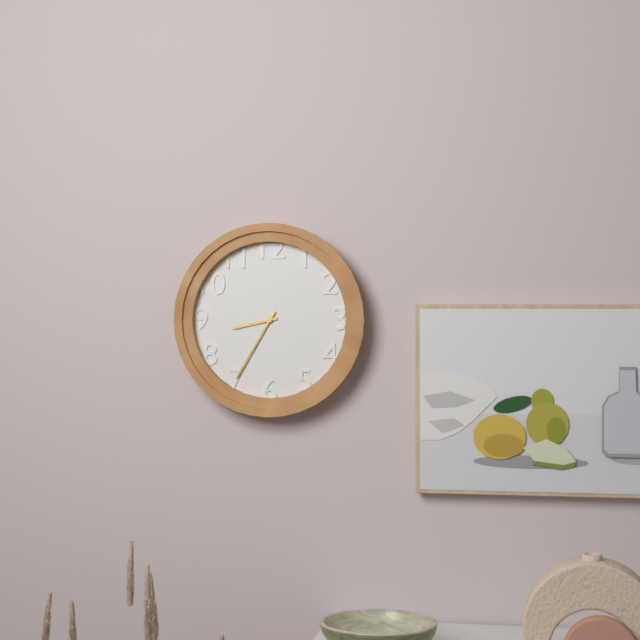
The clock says {"hour": 8, "minute": 35}
